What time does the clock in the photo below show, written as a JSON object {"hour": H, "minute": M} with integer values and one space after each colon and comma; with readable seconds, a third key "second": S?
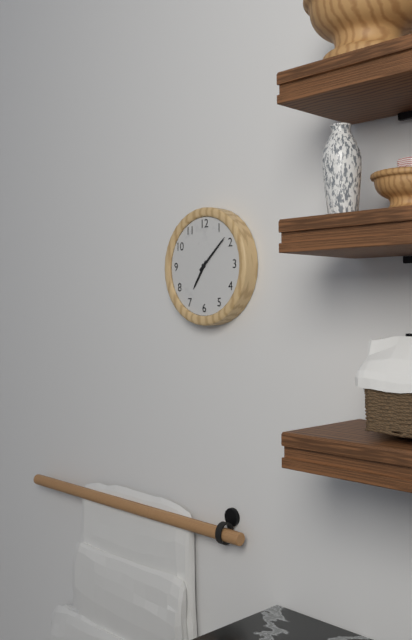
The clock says {"hour": 7, "minute": 8}
